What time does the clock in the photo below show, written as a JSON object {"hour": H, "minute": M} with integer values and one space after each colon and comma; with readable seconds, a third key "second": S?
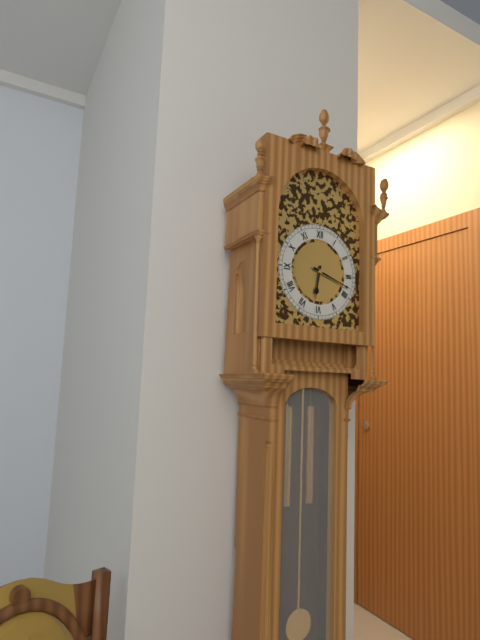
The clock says {"hour": 6, "minute": 18}
